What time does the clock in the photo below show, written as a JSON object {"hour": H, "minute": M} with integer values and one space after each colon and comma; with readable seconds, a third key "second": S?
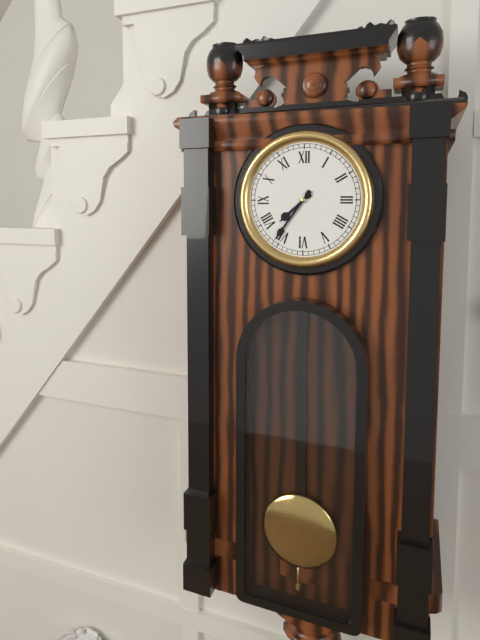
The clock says {"hour": 7, "minute": 36}
